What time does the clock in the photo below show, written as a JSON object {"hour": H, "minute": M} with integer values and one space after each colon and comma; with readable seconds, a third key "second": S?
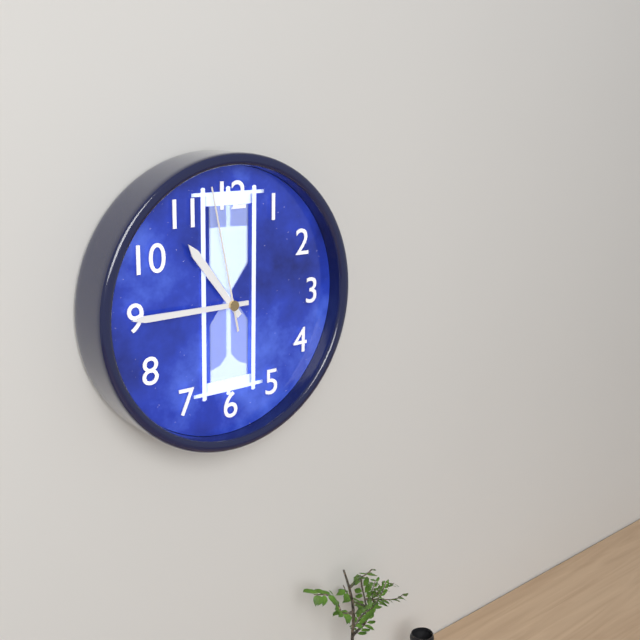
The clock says {"hour": 10, "minute": 45, "second": 58}
